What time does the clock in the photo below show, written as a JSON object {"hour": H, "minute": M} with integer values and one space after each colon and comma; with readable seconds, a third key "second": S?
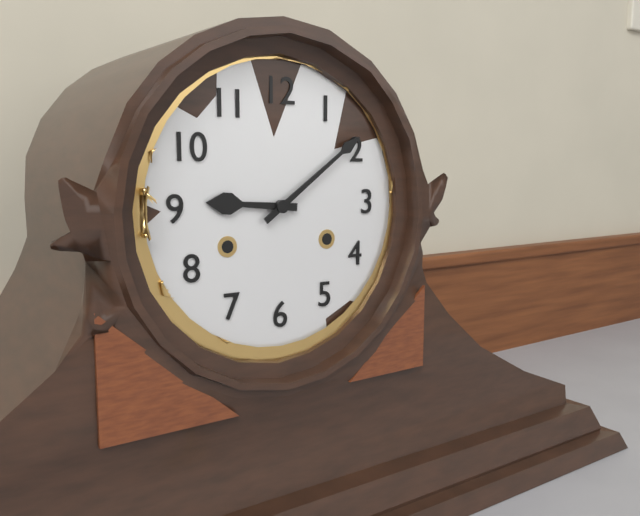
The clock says {"hour": 9, "minute": 9}
